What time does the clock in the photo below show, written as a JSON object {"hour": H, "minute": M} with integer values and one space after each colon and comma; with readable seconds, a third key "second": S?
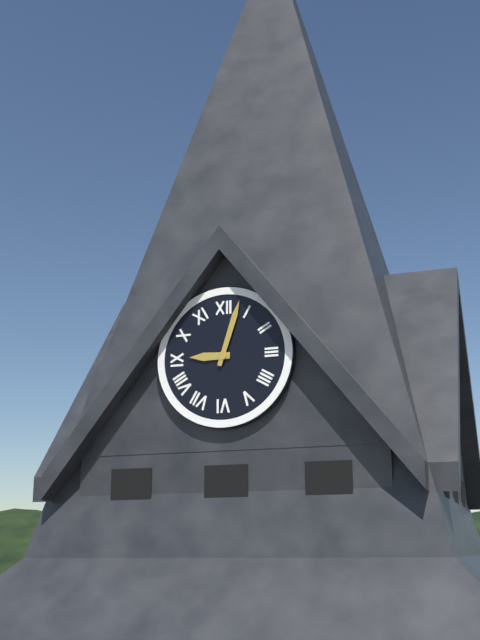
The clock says {"hour": 9, "minute": 3}
